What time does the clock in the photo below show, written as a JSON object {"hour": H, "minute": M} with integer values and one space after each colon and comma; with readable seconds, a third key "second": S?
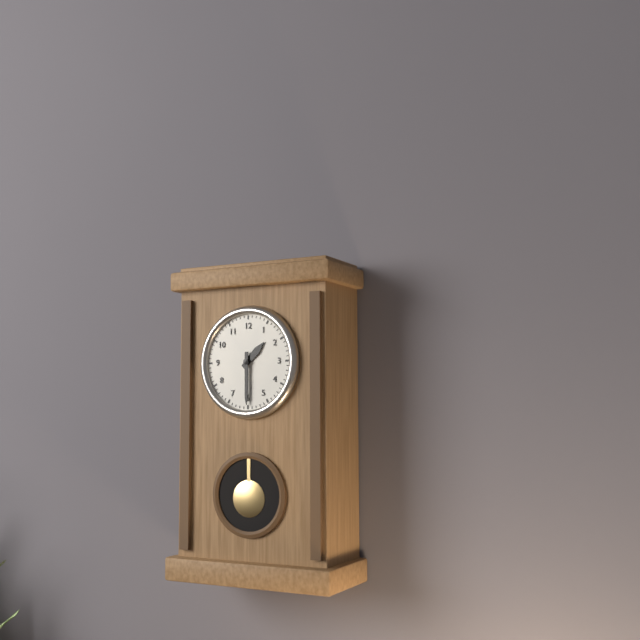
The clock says {"hour": 1, "minute": 30}
